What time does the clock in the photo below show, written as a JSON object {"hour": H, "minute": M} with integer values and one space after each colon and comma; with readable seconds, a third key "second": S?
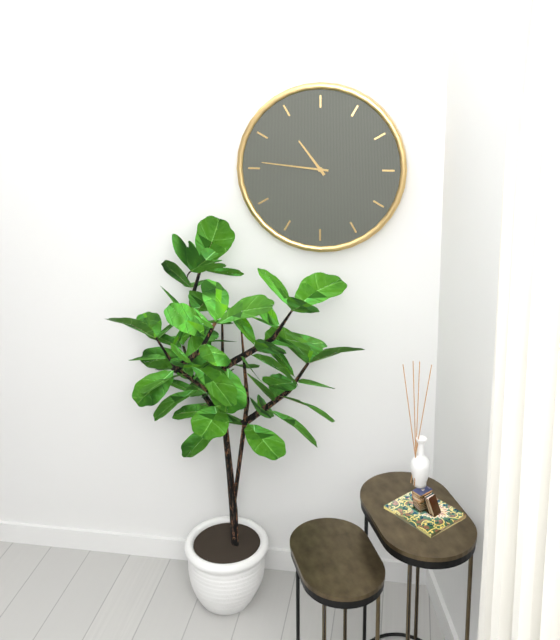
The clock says {"hour": 10, "minute": 46}
